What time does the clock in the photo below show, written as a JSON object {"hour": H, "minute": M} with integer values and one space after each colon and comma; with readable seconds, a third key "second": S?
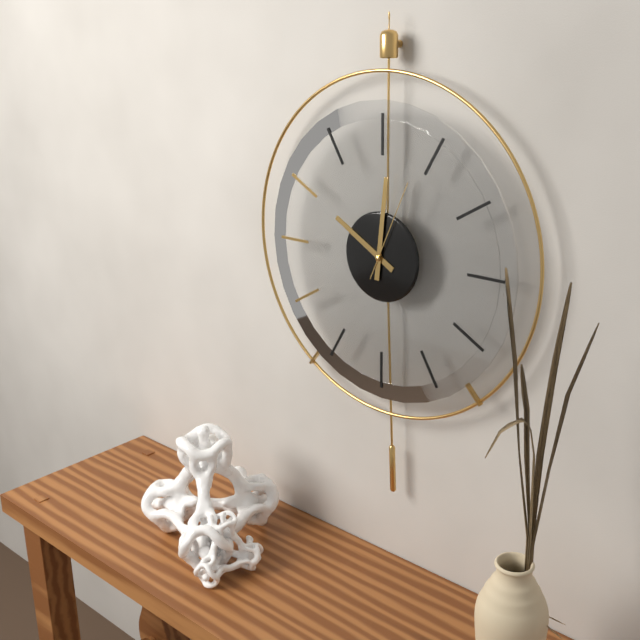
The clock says {"hour": 10, "minute": 1, "second": 4}
